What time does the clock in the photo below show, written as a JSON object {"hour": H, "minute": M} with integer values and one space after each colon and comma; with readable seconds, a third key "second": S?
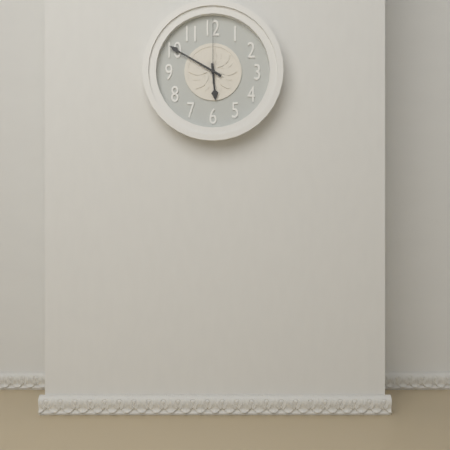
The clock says {"hour": 5, "minute": 50, "second": 0}
